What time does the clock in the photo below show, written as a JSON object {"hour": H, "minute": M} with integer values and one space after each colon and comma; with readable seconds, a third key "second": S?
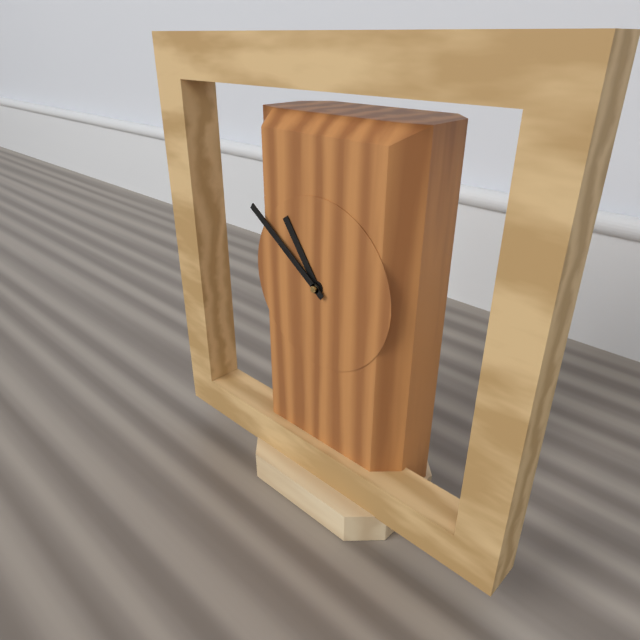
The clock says {"hour": 10, "minute": 51}
